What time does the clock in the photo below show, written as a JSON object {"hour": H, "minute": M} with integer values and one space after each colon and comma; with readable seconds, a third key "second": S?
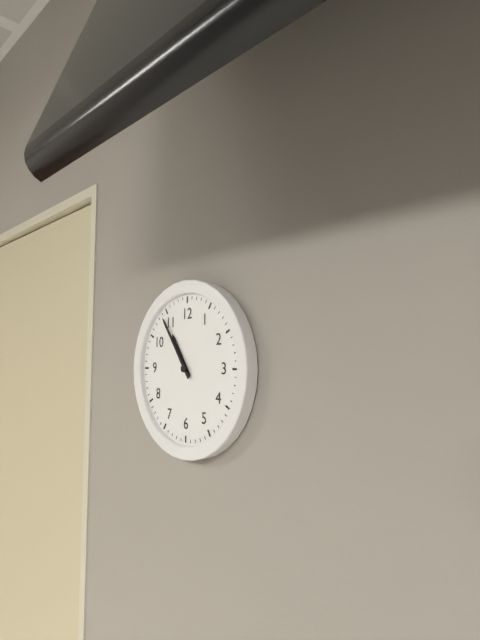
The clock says {"hour": 10, "minute": 54}
